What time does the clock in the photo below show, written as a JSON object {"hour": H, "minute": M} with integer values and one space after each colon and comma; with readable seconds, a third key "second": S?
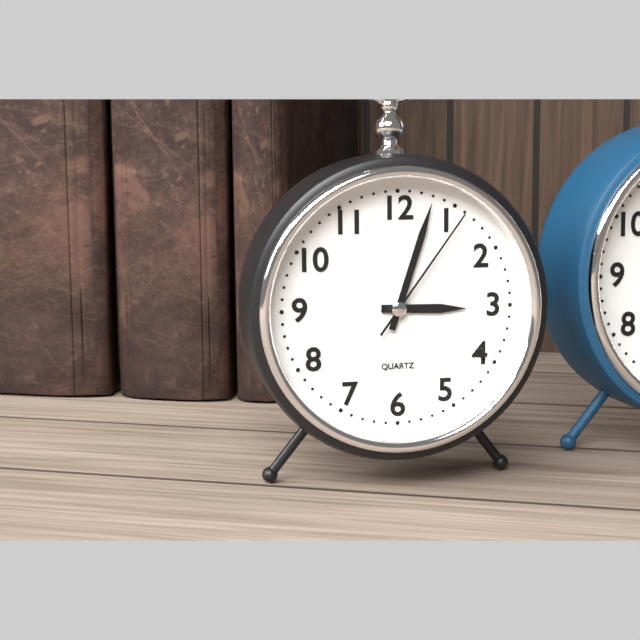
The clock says {"hour": 3, "minute": 3, "second": 6}
